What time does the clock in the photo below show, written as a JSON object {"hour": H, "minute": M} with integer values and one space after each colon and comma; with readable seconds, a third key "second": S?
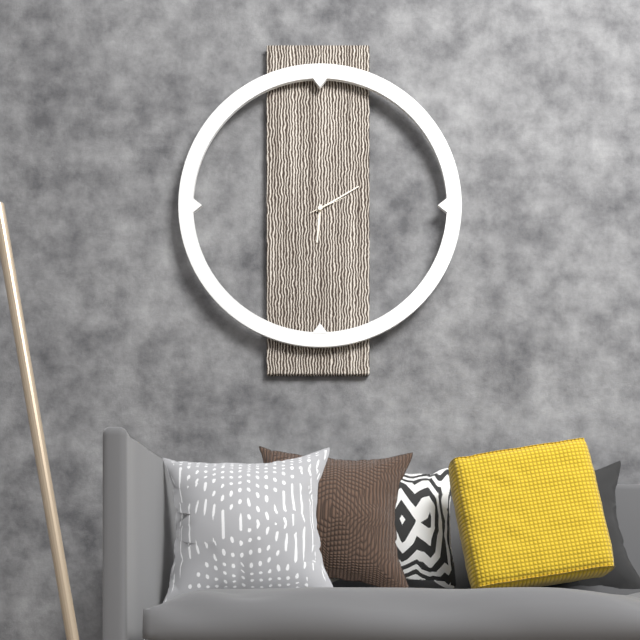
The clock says {"hour": 6, "minute": 10}
